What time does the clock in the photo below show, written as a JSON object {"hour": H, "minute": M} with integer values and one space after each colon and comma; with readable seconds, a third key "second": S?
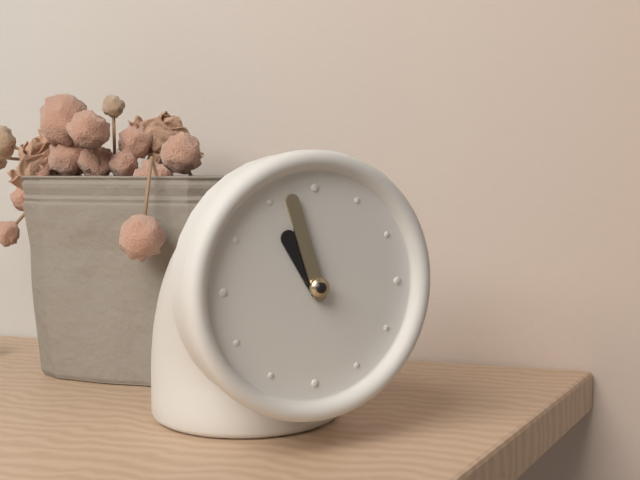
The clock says {"hour": 10, "minute": 57}
